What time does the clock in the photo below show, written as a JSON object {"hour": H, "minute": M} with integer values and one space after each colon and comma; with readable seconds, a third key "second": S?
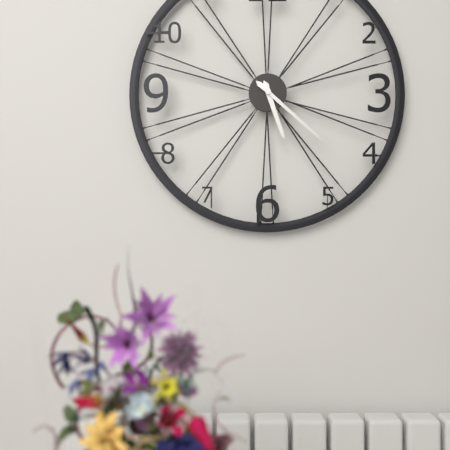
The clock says {"hour": 5, "minute": 22}
